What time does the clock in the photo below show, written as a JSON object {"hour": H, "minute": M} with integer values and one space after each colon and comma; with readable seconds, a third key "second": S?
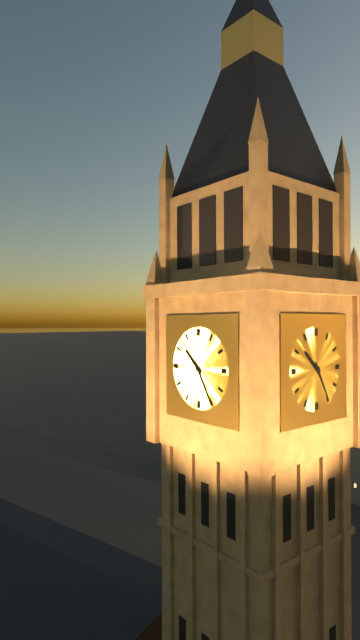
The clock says {"hour": 10, "minute": 25}
